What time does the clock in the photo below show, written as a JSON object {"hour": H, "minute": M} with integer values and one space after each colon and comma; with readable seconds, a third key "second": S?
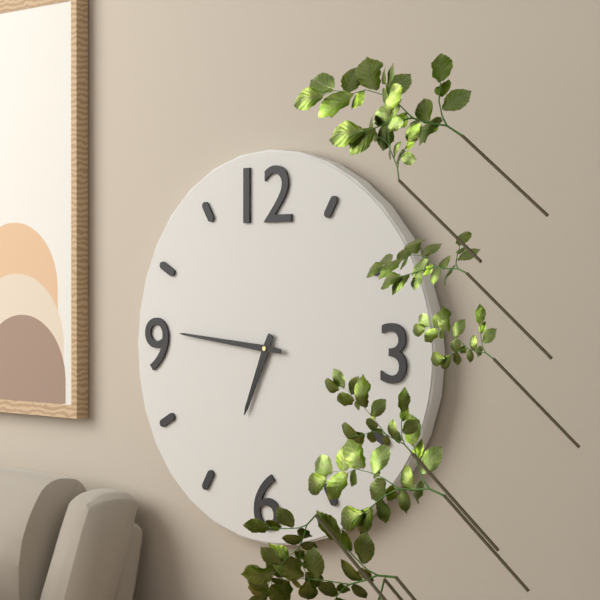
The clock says {"hour": 6, "minute": 46}
